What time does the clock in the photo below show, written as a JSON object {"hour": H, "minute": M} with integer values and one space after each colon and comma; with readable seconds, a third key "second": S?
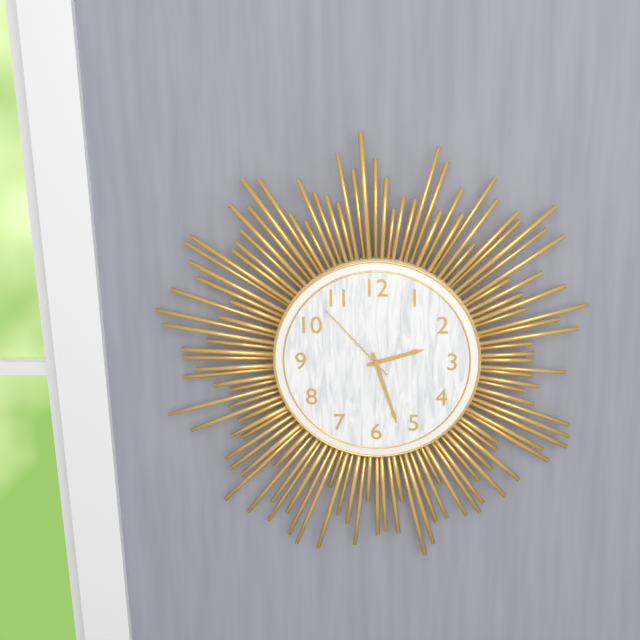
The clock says {"hour": 2, "minute": 27, "second": 53}
